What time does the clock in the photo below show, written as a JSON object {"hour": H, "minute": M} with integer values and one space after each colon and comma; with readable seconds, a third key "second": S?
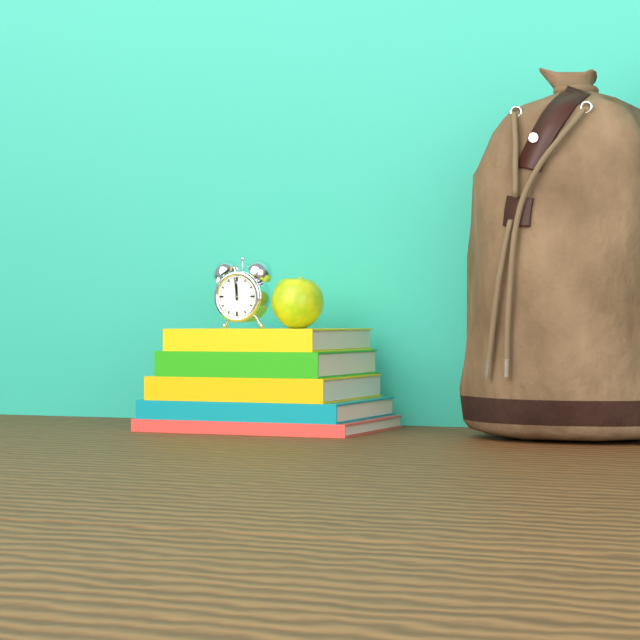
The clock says {"hour": 11, "minute": 59}
